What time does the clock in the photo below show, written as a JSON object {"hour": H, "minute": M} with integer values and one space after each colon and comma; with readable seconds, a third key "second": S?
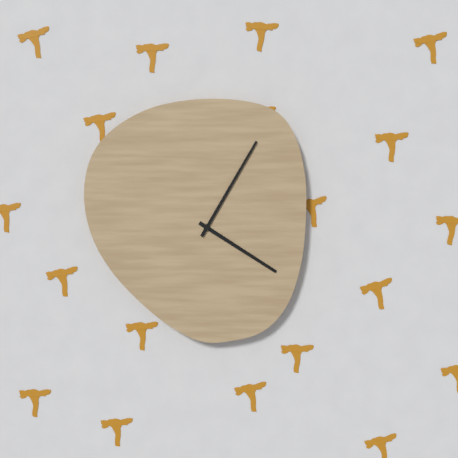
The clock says {"hour": 4, "minute": 5}
